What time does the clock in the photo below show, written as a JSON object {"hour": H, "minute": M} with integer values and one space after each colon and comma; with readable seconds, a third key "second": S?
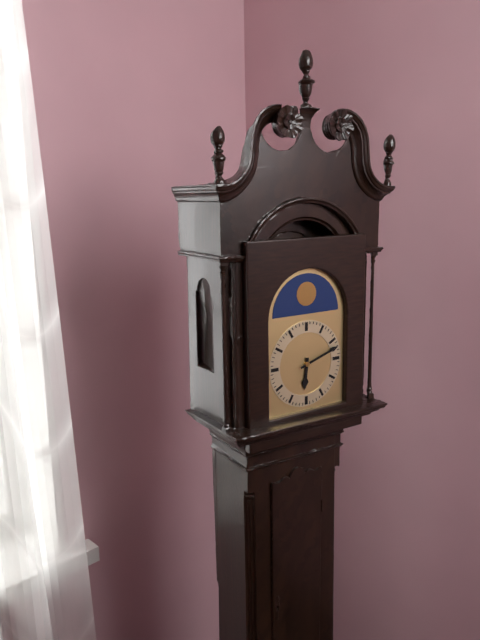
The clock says {"hour": 6, "minute": 12}
